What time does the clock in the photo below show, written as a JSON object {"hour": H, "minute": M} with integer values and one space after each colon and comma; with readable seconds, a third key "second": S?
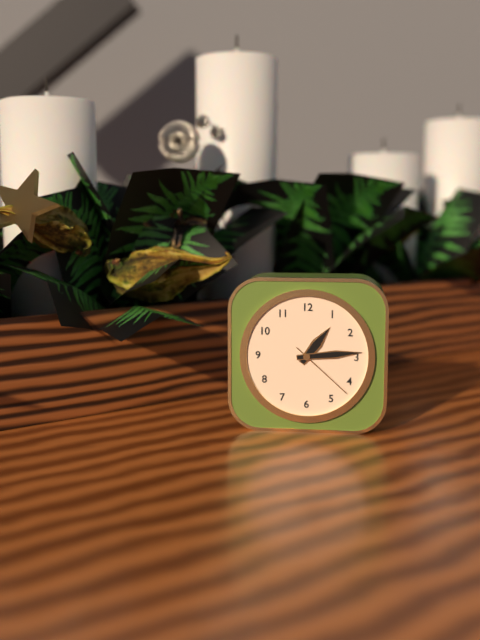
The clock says {"hour": 1, "minute": 14, "second": 22}
